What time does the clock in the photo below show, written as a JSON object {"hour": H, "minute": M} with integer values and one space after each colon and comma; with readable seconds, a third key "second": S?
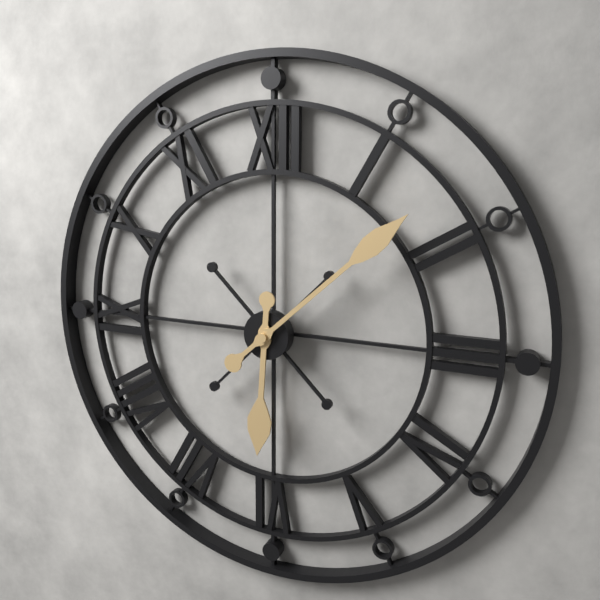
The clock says {"hour": 6, "minute": 8}
